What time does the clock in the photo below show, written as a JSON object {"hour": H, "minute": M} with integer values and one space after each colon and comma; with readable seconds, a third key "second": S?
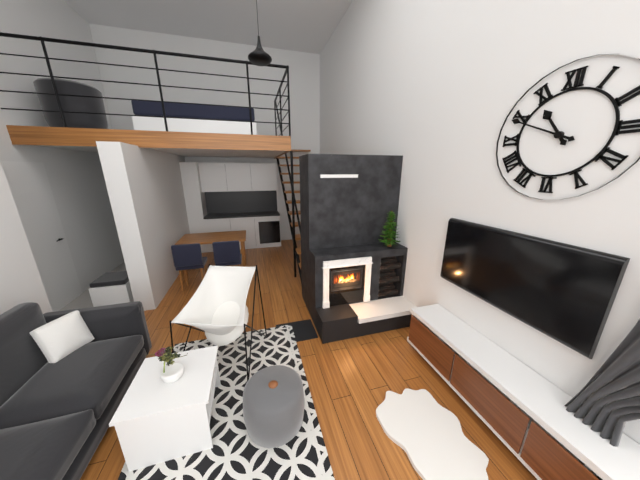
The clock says {"hour": 10, "minute": 49}
